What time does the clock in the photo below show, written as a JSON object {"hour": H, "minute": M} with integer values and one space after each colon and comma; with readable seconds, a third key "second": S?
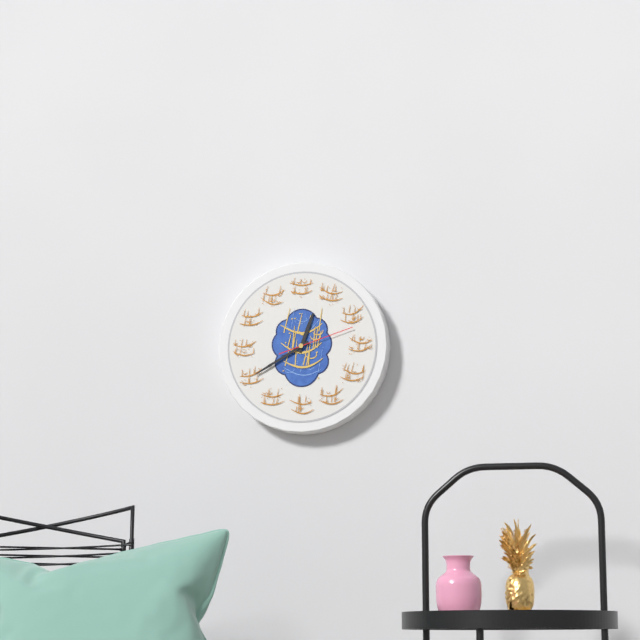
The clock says {"hour": 12, "minute": 40, "second": 12}
